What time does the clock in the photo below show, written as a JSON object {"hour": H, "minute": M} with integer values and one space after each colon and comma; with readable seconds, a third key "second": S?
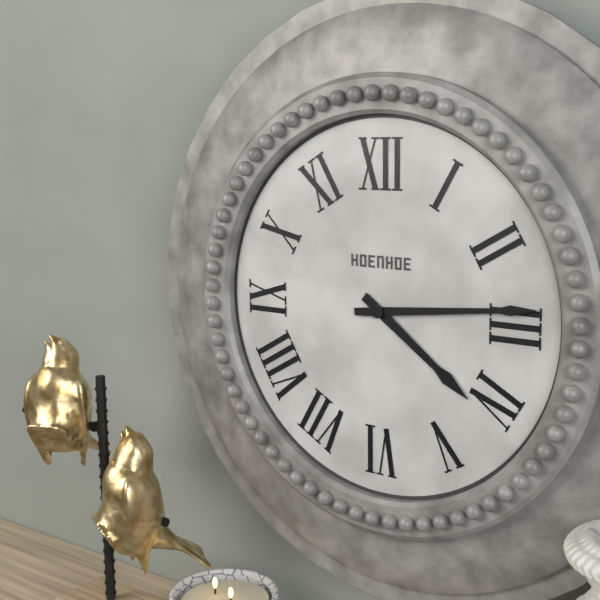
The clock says {"hour": 4, "minute": 14}
